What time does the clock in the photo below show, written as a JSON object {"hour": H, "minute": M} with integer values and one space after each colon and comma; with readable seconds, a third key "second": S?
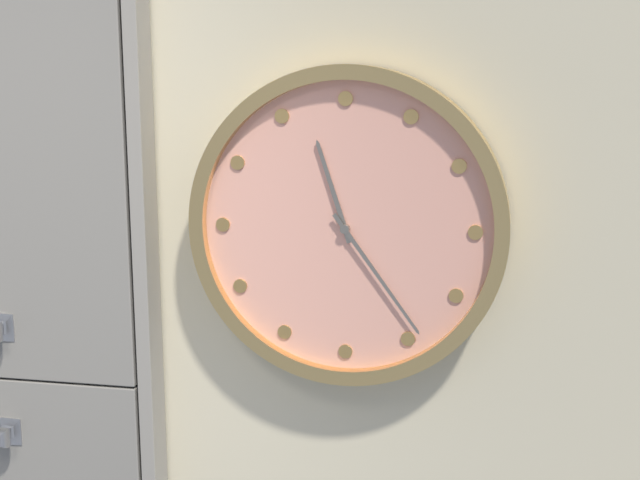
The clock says {"hour": 11, "minute": 24}
